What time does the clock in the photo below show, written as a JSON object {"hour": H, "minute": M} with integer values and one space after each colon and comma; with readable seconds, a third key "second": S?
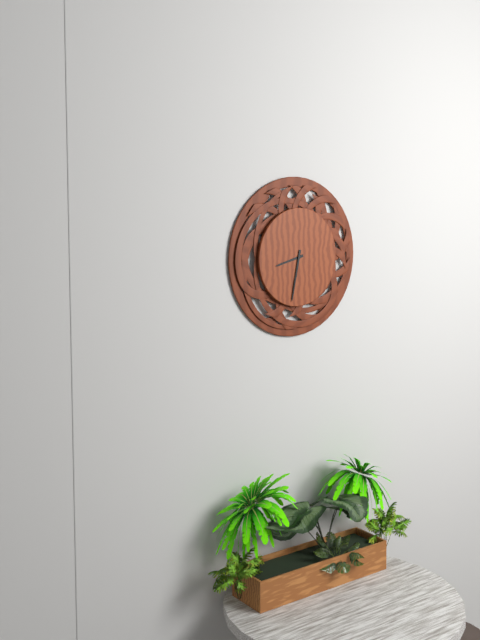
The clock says {"hour": 8, "minute": 32}
